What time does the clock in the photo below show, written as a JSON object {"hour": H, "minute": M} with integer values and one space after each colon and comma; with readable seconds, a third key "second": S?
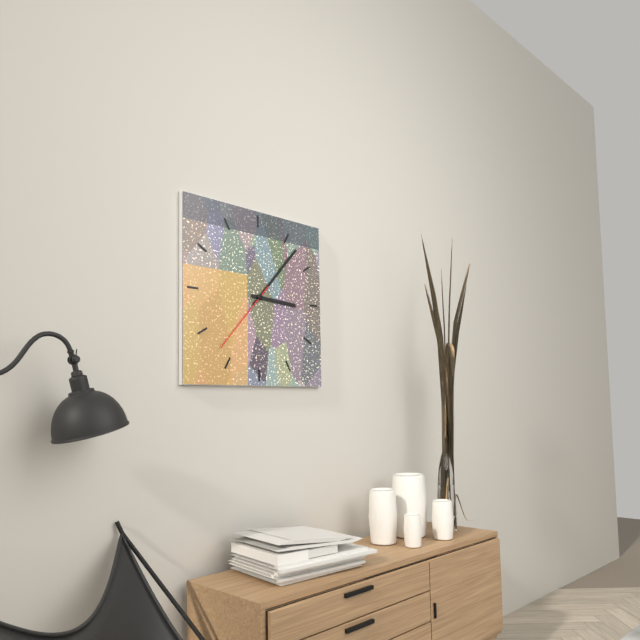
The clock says {"hour": 3, "minute": 7, "second": 37}
